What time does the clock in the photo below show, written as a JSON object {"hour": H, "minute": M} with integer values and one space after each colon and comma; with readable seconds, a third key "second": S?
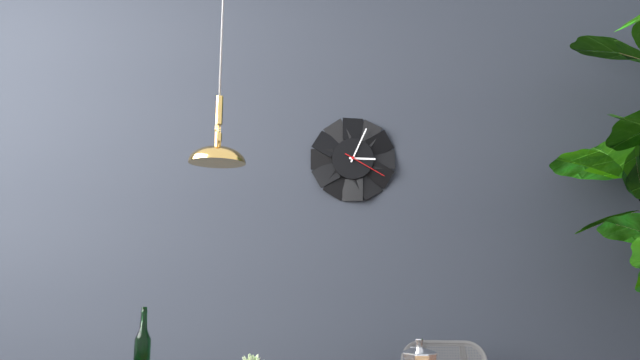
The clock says {"hour": 3, "minute": 4}
